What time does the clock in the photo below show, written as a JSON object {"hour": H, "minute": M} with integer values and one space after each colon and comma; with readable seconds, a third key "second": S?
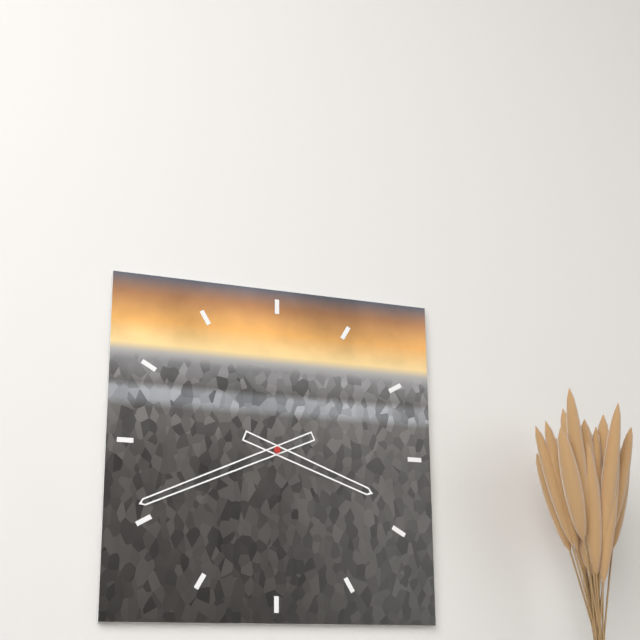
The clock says {"hour": 3, "minute": 41}
